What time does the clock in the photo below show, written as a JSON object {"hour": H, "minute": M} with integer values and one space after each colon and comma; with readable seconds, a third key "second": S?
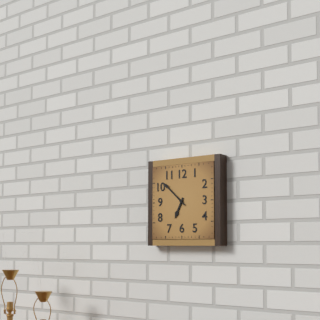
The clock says {"hour": 6, "minute": 52}
